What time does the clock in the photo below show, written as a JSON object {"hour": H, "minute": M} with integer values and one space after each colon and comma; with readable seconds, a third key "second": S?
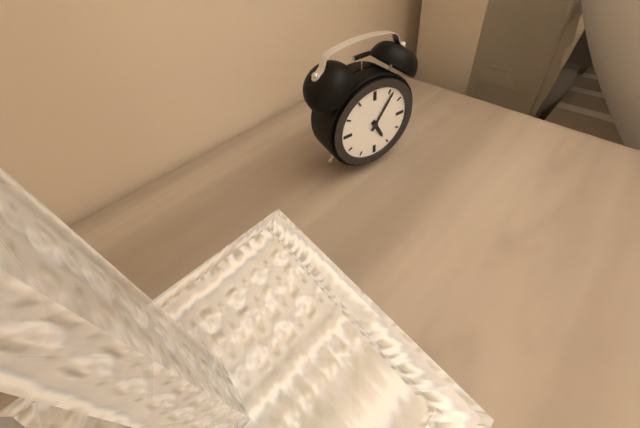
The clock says {"hour": 5, "minute": 6}
